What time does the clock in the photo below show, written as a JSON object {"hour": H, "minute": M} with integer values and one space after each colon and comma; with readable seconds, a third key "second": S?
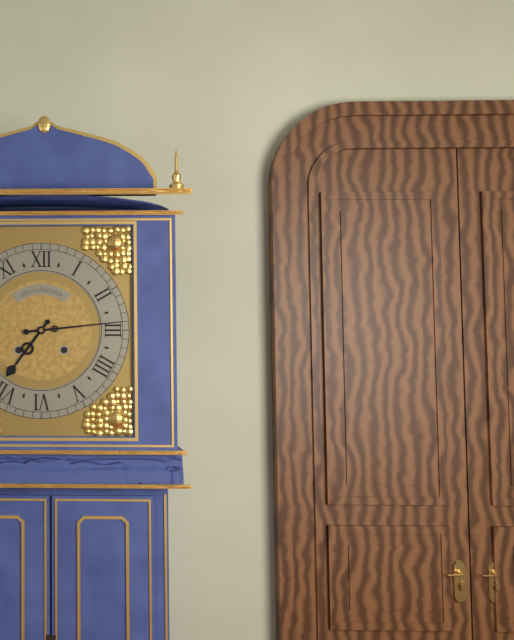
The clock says {"hour": 7, "minute": 14}
